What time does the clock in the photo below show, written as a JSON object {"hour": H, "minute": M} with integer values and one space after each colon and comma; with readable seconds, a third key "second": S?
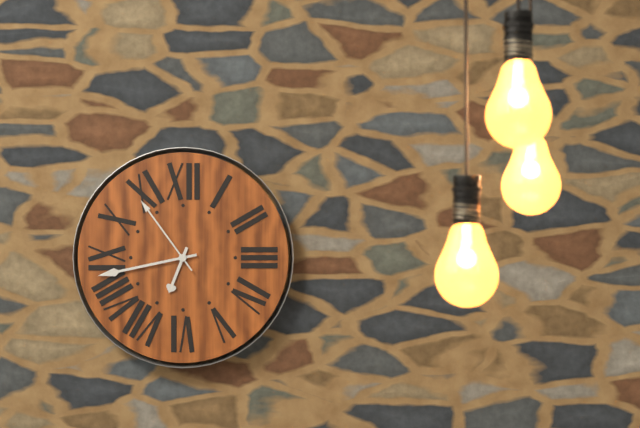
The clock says {"hour": 6, "minute": 43, "second": 54}
